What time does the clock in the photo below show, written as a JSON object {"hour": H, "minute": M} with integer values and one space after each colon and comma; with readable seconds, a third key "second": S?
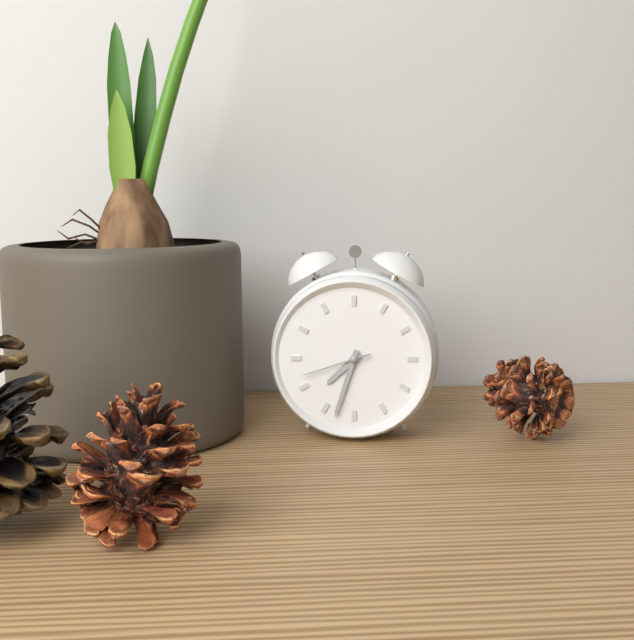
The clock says {"hour": 7, "minute": 33, "second": 42}
